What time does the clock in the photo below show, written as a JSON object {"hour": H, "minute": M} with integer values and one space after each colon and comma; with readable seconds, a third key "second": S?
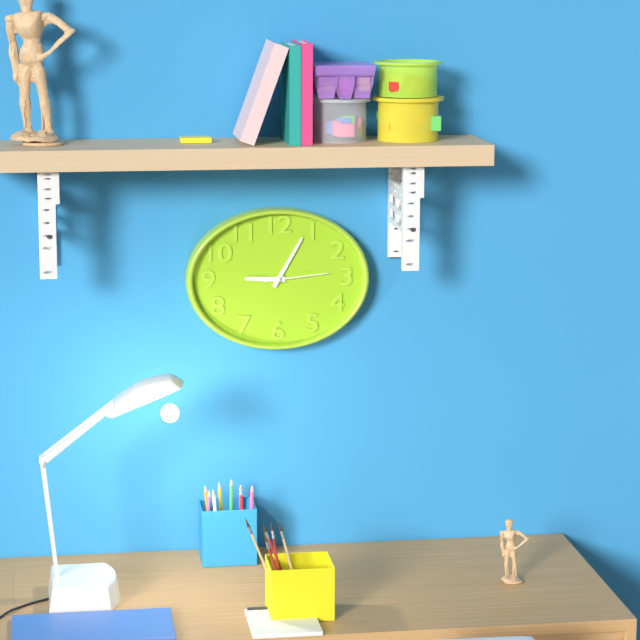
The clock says {"hour": 9, "minute": 5, "second": 14}
